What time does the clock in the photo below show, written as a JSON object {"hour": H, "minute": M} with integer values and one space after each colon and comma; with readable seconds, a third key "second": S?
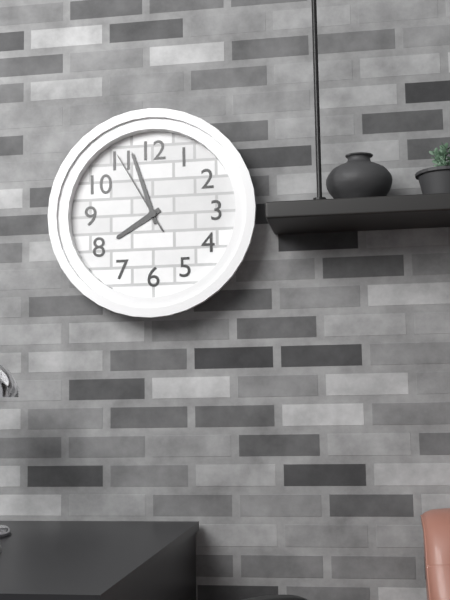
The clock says {"hour": 7, "minute": 57, "second": 55}
